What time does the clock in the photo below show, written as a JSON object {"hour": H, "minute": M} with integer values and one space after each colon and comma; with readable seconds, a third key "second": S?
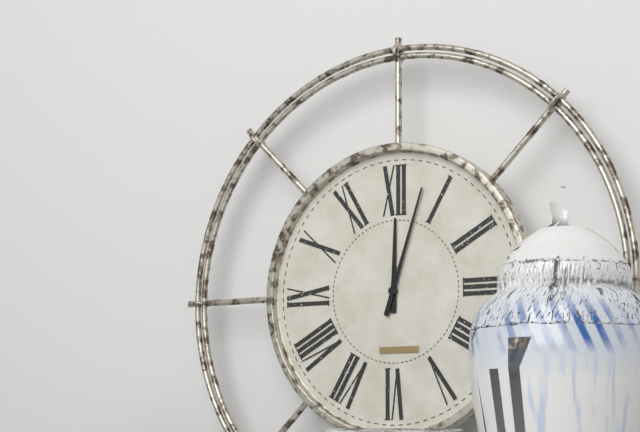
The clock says {"hour": 12, "minute": 3}
